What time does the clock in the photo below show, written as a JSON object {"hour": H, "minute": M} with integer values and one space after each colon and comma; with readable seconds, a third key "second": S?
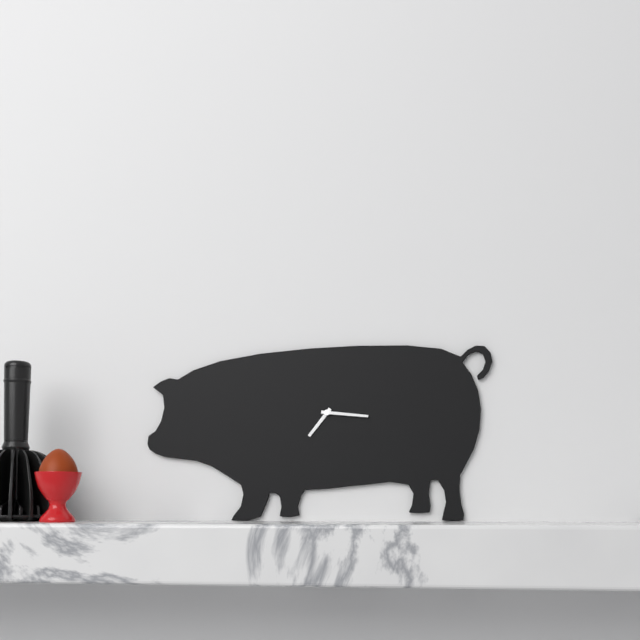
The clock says {"hour": 7, "minute": 16}
